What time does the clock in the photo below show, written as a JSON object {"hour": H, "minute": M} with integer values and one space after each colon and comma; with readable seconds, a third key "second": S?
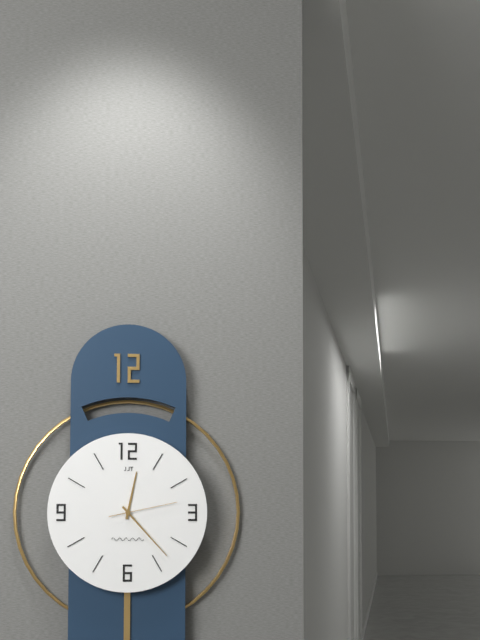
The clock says {"hour": 12, "minute": 23, "second": 13}
